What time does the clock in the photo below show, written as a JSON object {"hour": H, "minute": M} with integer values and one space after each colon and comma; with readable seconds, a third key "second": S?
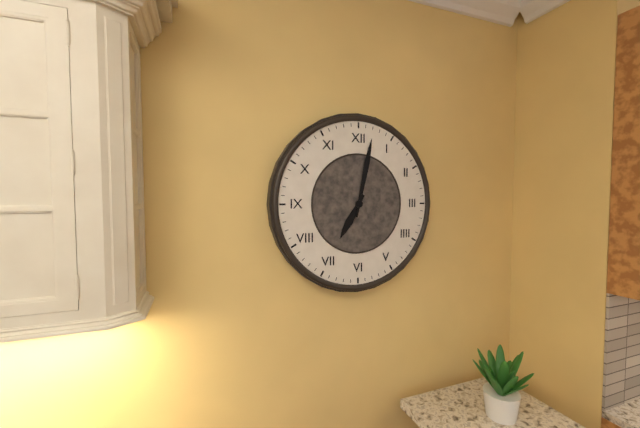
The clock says {"hour": 7, "minute": 2}
